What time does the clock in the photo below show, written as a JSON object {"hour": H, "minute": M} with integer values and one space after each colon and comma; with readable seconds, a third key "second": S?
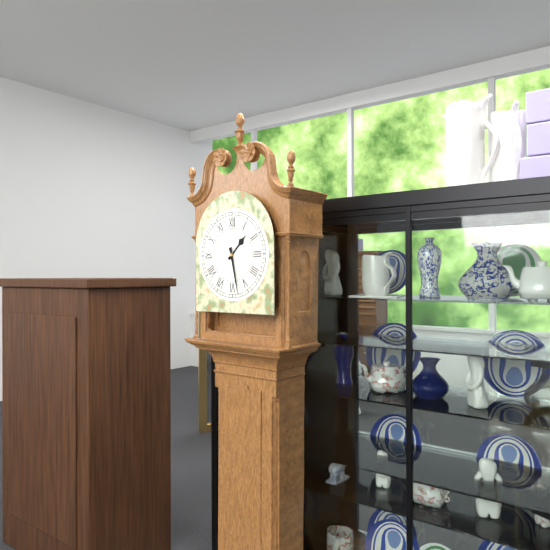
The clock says {"hour": 1, "minute": 28}
